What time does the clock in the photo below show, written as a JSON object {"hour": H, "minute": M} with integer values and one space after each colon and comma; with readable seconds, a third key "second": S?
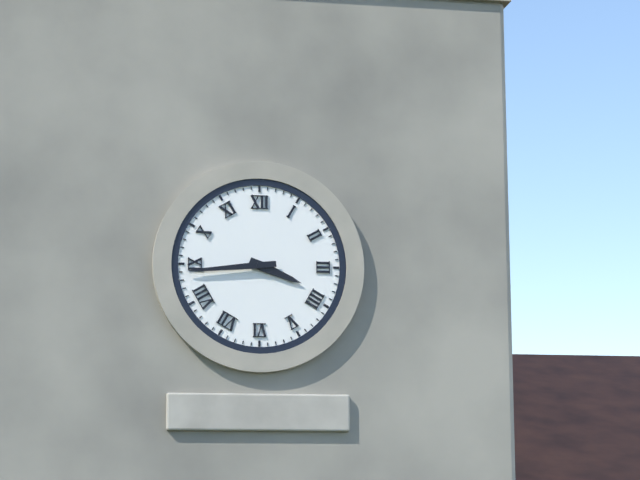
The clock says {"hour": 3, "minute": 44}
